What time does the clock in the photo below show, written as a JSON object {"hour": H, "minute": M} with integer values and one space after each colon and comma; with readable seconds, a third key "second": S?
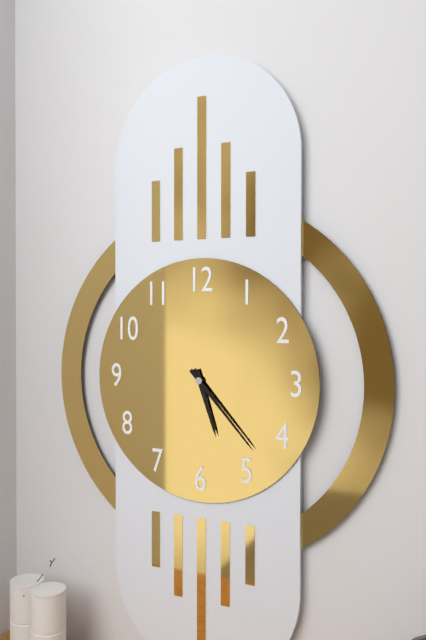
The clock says {"hour": 5, "minute": 23}
